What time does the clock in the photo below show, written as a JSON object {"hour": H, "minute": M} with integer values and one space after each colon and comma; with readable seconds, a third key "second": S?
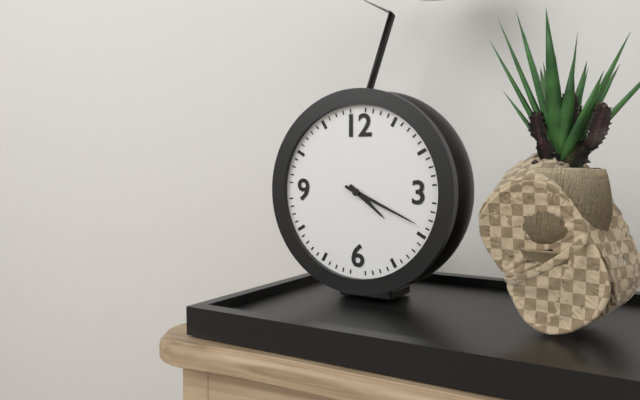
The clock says {"hour": 4, "minute": 19}
